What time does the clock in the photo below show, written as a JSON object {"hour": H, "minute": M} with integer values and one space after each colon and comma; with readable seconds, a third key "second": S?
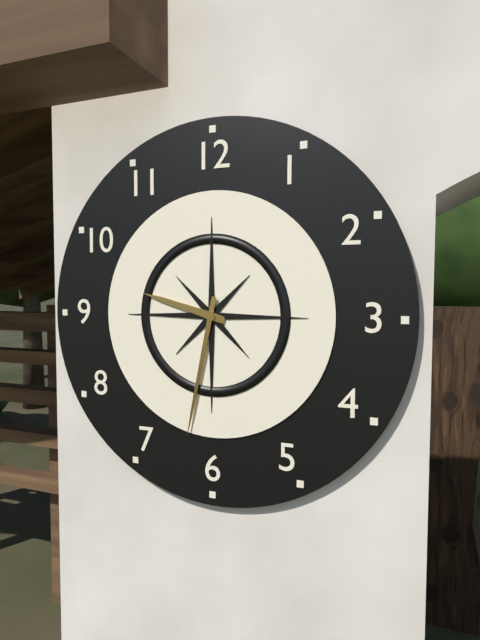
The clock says {"hour": 9, "minute": 32}
